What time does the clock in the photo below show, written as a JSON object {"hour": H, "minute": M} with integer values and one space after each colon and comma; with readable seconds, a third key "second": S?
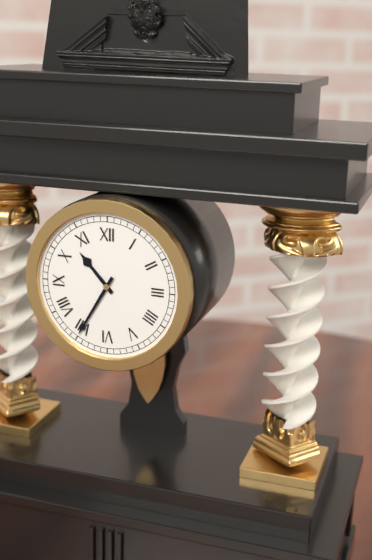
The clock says {"hour": 10, "minute": 35}
